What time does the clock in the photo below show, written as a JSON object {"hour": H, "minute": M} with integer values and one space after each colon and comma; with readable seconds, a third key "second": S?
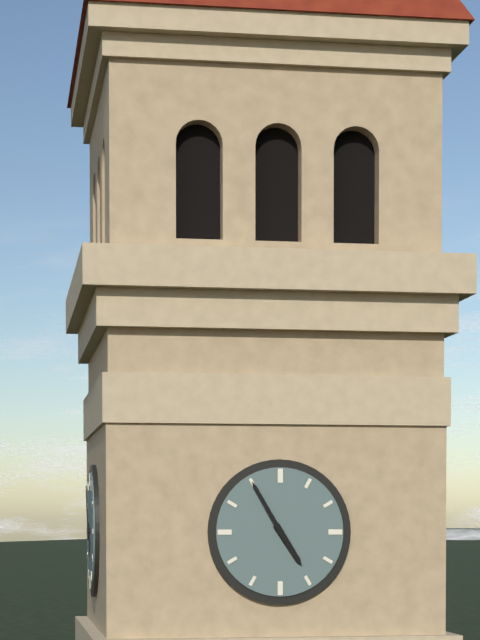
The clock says {"hour": 4, "minute": 55}
